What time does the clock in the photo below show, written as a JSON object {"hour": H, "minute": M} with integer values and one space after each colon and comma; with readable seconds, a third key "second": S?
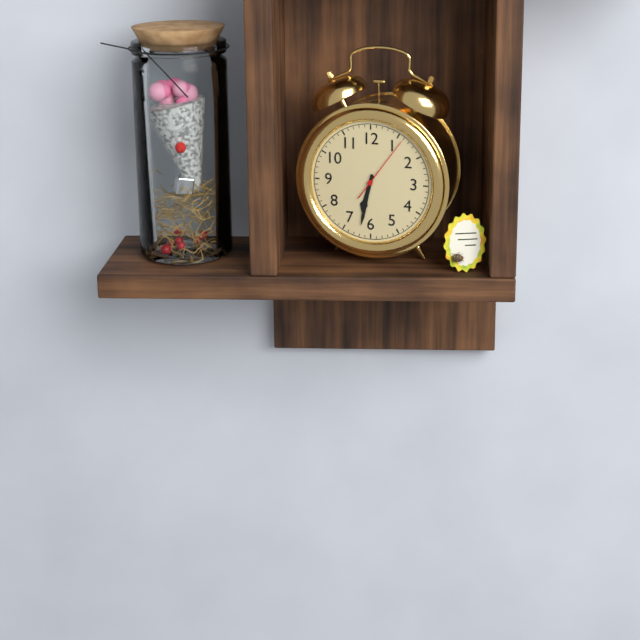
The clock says {"hour": 6, "minute": 32, "second": 6}
